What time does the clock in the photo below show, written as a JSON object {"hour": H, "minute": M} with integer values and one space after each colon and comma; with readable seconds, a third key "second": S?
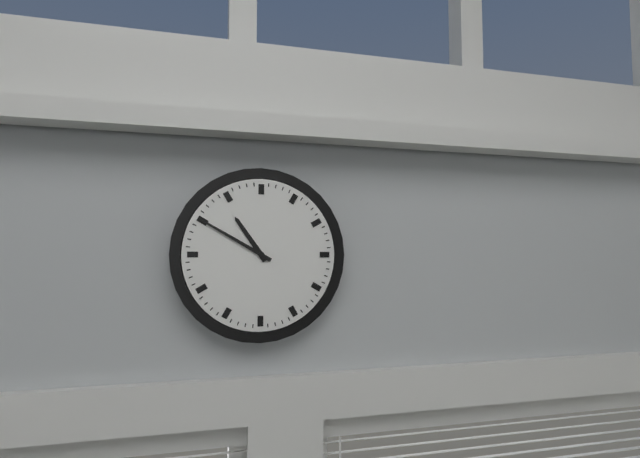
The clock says {"hour": 10, "minute": 50}
